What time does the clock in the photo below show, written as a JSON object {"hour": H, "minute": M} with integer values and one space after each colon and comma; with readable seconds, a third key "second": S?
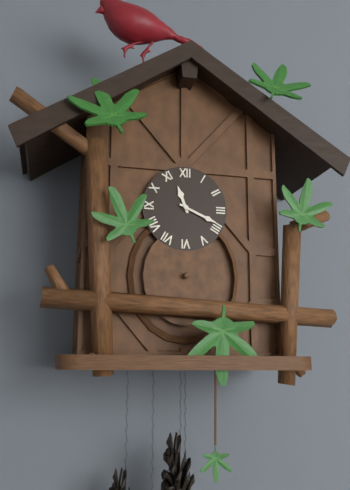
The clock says {"hour": 11, "minute": 19}
